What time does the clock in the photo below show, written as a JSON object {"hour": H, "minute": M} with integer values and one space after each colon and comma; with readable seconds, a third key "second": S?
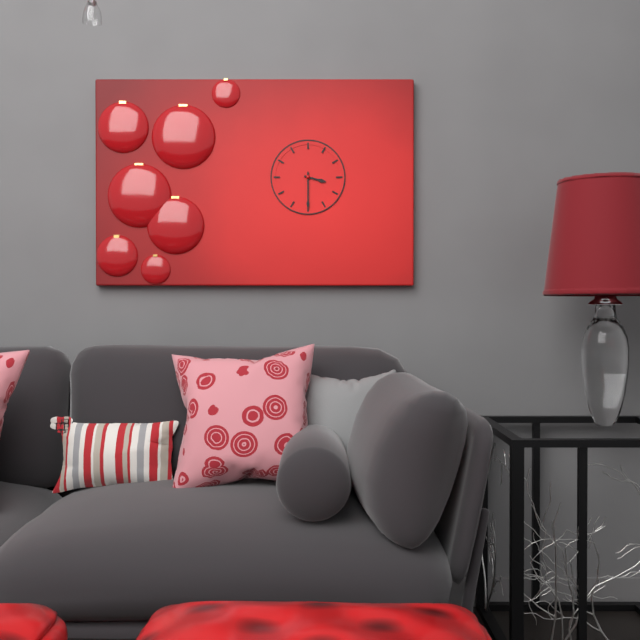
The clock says {"hour": 3, "minute": 30}
